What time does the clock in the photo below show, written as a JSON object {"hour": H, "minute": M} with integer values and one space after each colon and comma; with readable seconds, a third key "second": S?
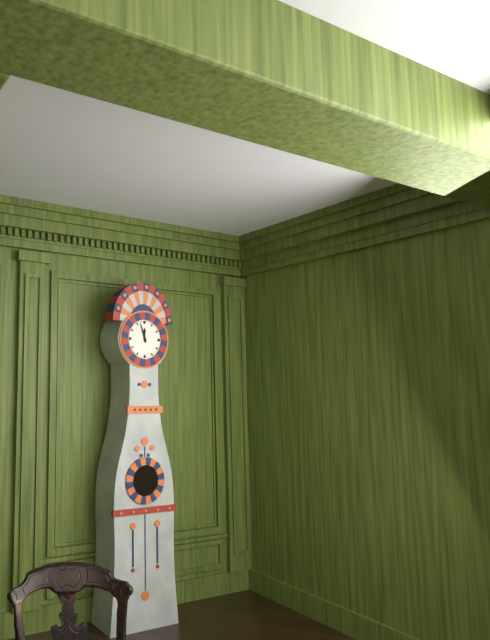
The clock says {"hour": 11, "minute": 57}
